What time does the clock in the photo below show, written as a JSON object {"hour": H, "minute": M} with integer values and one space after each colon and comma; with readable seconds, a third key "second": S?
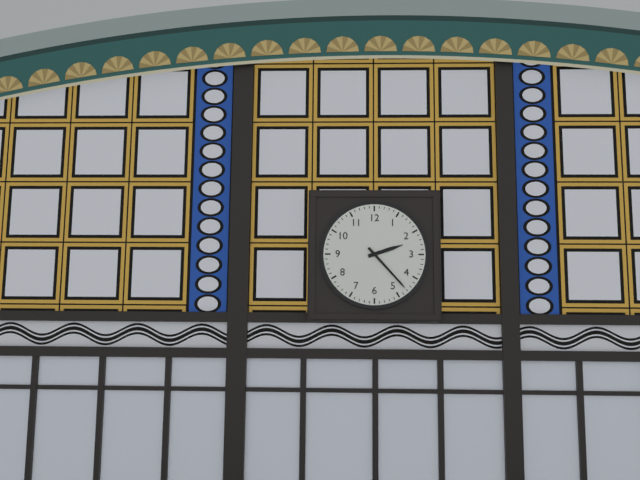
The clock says {"hour": 2, "minute": 23}
